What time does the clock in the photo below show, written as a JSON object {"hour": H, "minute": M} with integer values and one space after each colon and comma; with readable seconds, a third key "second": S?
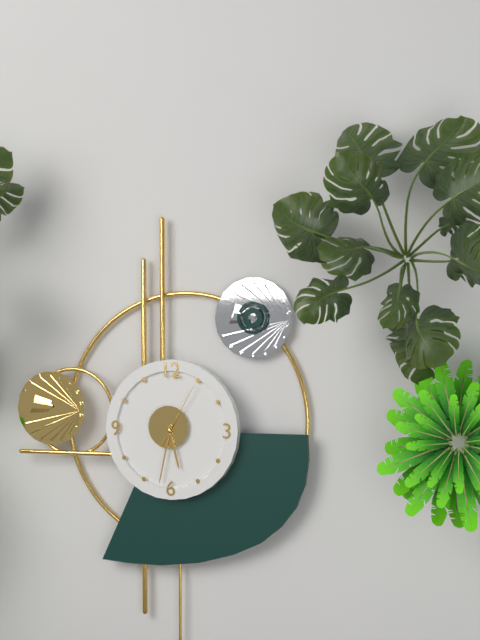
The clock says {"hour": 5, "minute": 32, "second": 5}
